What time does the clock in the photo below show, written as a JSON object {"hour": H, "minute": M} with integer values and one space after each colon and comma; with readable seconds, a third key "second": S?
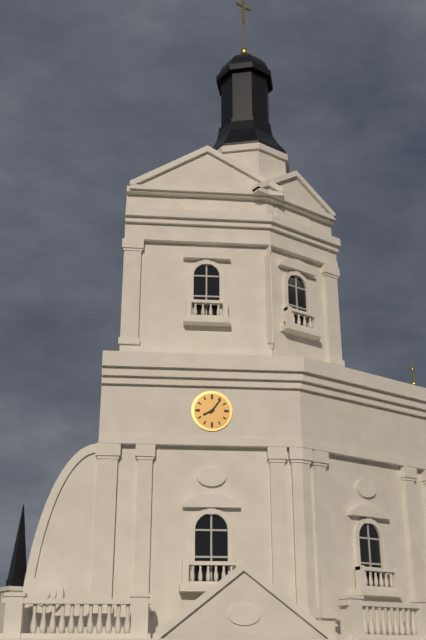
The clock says {"hour": 8, "minute": 6}
